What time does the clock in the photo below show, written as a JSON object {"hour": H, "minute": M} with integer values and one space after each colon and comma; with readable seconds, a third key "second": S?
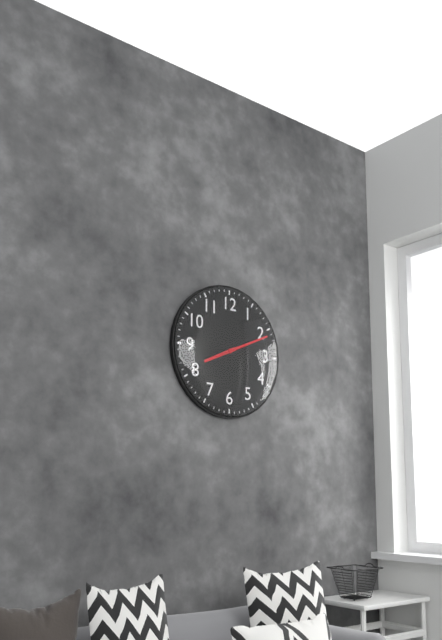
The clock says {"hour": 8, "minute": 11}
